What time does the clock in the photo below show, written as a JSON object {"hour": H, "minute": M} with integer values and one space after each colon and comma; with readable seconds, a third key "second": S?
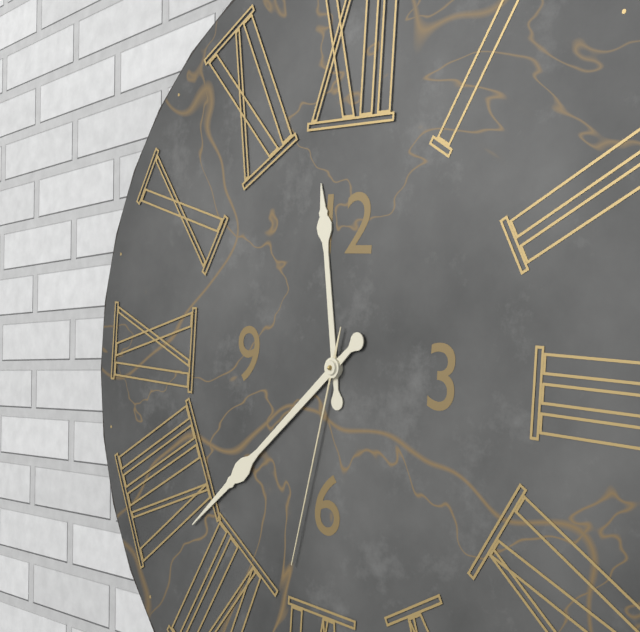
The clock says {"hour": 11, "minute": 38, "second": 32}
